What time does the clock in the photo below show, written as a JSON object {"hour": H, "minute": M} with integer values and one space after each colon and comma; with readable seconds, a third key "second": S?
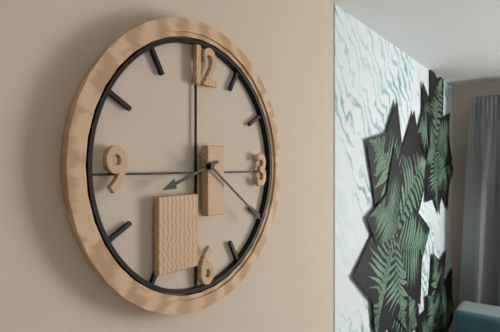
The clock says {"hour": 8, "minute": 21}
